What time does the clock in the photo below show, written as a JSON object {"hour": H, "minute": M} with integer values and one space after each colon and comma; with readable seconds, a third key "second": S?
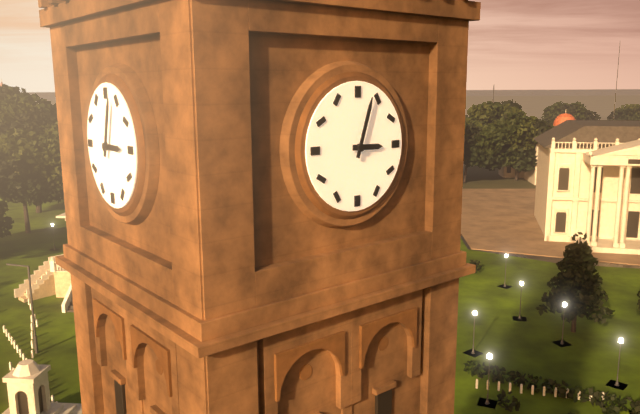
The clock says {"hour": 3, "minute": 3}
